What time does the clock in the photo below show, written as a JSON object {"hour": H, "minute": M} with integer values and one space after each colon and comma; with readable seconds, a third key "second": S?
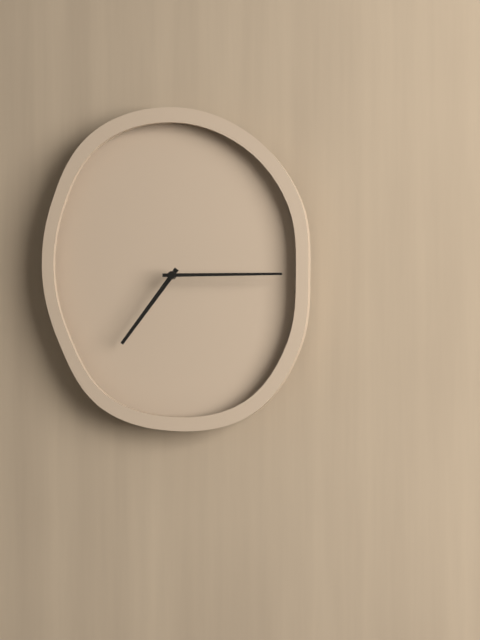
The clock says {"hour": 7, "minute": 15}
